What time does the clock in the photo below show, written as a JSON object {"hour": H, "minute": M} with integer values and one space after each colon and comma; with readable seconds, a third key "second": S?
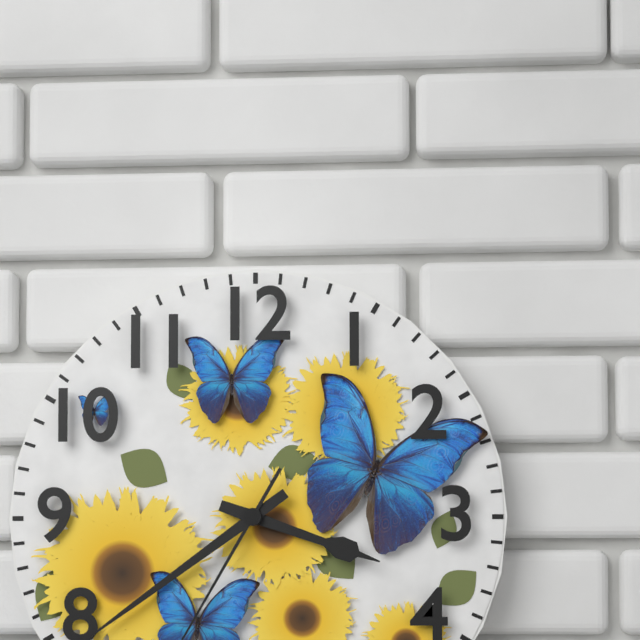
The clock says {"hour": 3, "minute": 39}
